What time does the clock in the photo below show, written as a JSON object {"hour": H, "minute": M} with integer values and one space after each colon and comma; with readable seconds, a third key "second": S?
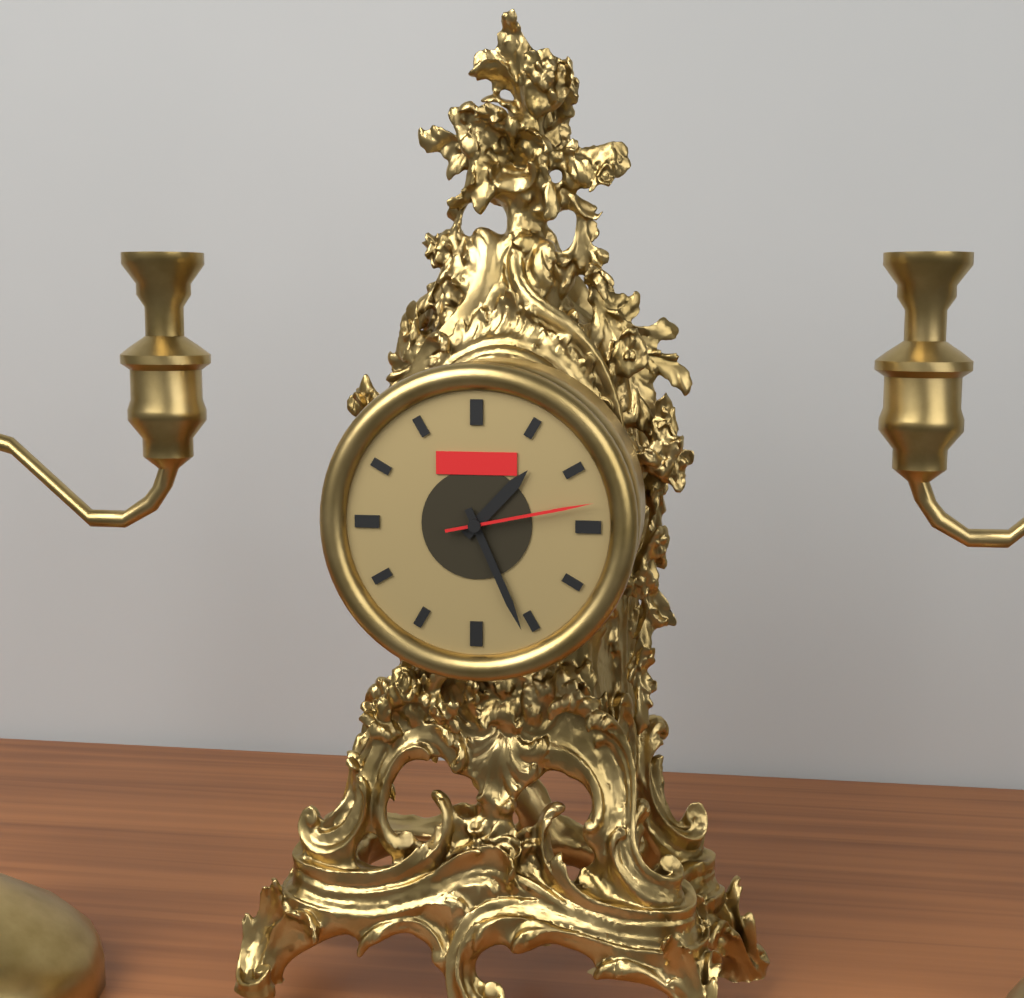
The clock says {"hour": 1, "minute": 26, "second": 13}
